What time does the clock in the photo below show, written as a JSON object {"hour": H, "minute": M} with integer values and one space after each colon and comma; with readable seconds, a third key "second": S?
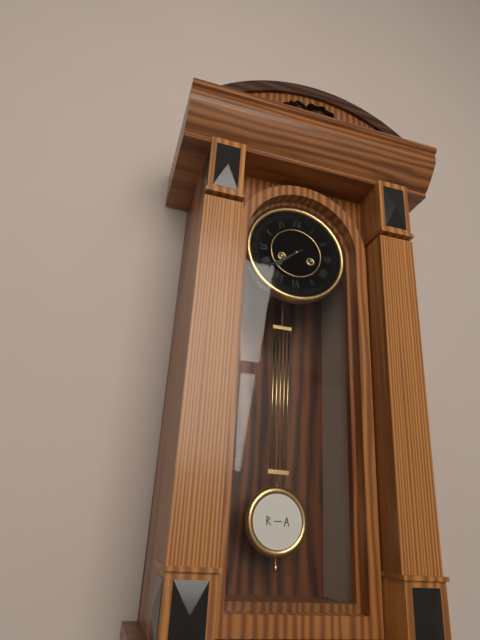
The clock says {"hour": 7, "minute": 39}
